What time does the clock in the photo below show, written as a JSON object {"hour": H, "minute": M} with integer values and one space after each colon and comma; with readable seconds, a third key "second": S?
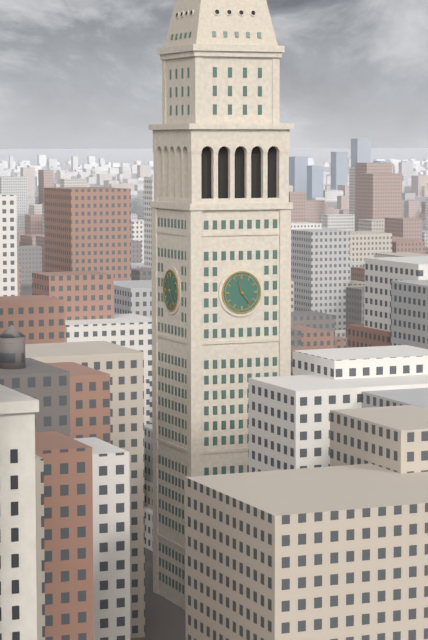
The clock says {"hour": 11, "minute": 24}
